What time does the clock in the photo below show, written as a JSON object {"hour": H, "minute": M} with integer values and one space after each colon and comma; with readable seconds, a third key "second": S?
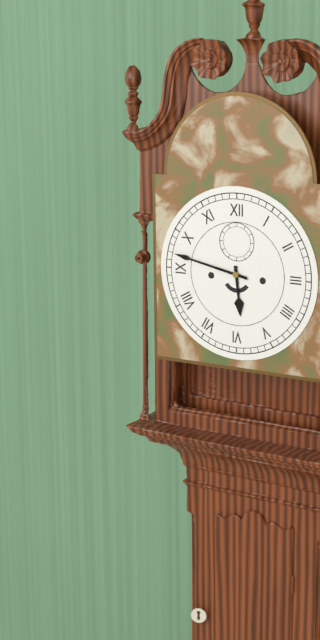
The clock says {"hour": 5, "minute": 47}
